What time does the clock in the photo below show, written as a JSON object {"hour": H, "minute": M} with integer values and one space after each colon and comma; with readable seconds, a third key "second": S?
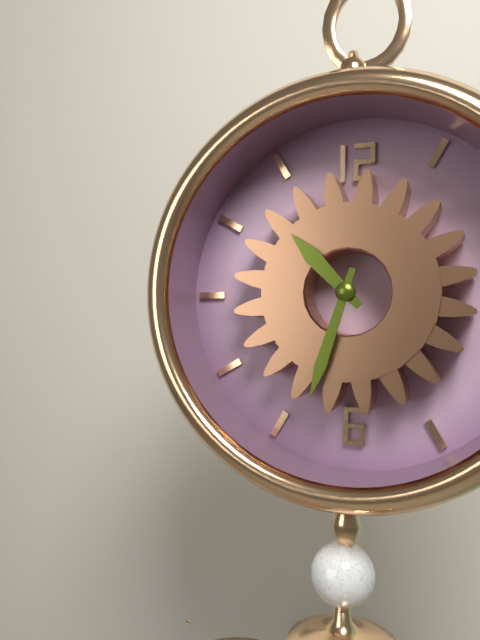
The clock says {"hour": 10, "minute": 33}
